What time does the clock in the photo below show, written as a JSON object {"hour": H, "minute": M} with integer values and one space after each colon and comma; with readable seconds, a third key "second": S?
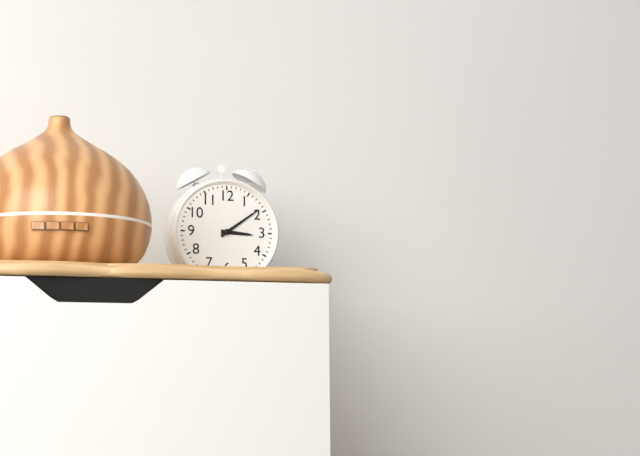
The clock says {"hour": 3, "minute": 9}
